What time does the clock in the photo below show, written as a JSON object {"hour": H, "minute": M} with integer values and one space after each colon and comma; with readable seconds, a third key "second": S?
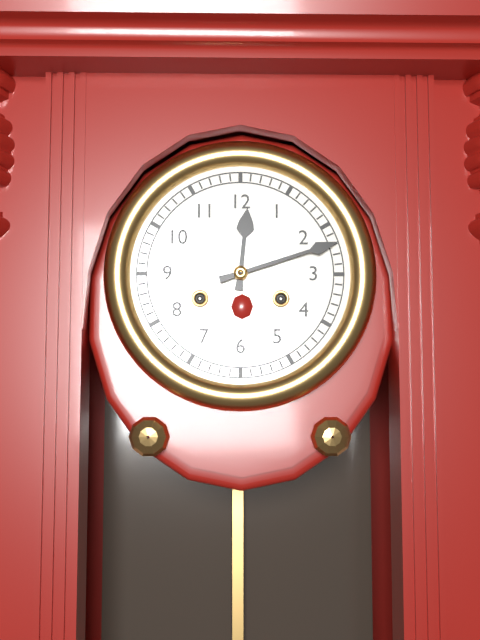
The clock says {"hour": 12, "minute": 12}
